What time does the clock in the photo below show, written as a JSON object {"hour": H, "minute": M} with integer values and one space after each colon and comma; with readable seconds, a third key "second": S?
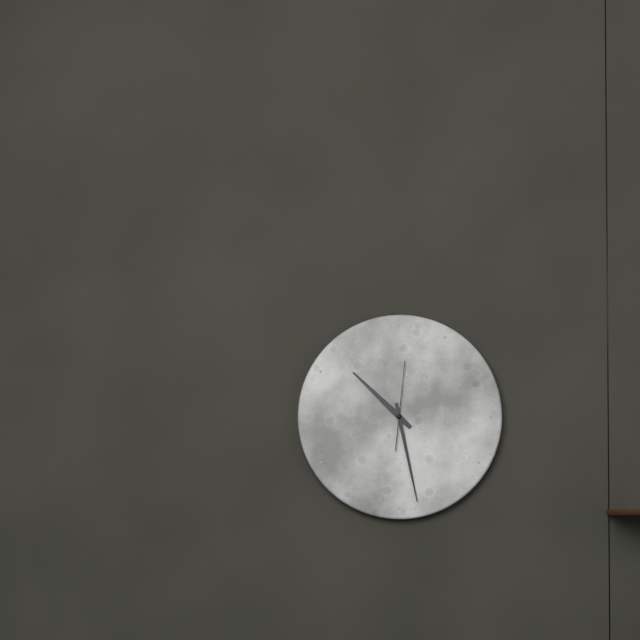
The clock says {"hour": 10, "minute": 28, "second": 1}
